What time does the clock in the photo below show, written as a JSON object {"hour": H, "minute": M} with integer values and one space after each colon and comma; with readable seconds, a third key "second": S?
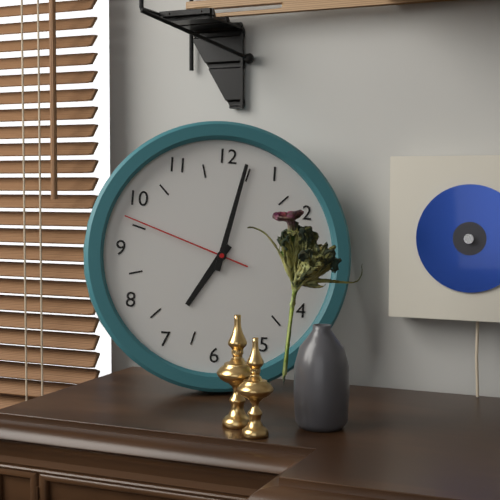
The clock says {"hour": 7, "minute": 2, "second": 48}
